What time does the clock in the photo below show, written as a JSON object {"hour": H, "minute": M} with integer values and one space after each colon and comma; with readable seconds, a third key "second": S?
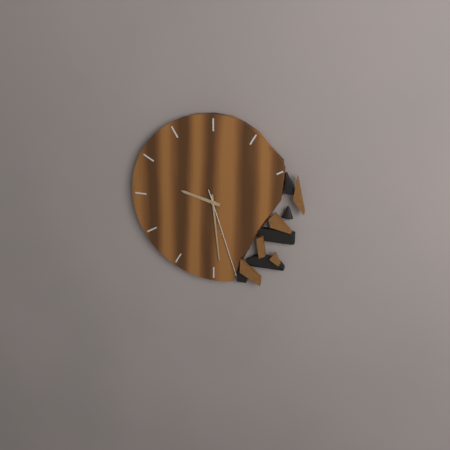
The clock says {"hour": 9, "minute": 29, "second": 27}
